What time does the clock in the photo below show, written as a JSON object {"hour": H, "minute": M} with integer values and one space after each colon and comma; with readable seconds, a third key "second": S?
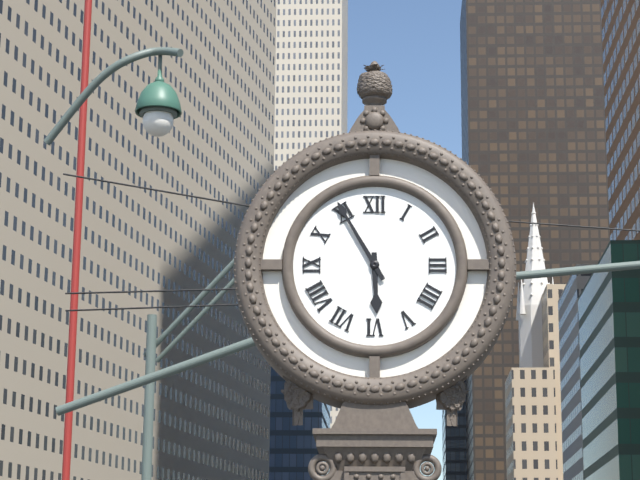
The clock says {"hour": 5, "minute": 55}
